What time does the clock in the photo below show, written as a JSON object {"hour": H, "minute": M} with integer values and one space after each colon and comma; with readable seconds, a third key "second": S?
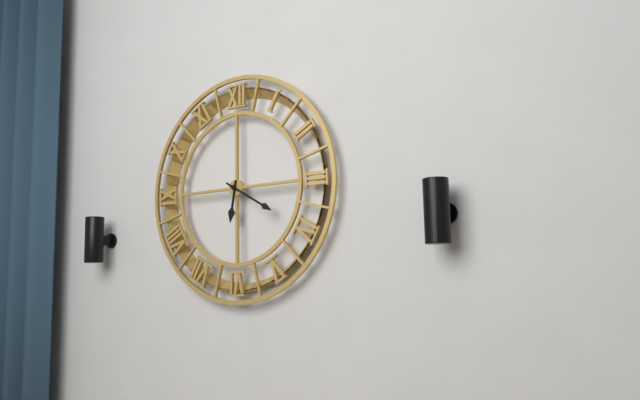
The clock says {"hour": 6, "minute": 20}
